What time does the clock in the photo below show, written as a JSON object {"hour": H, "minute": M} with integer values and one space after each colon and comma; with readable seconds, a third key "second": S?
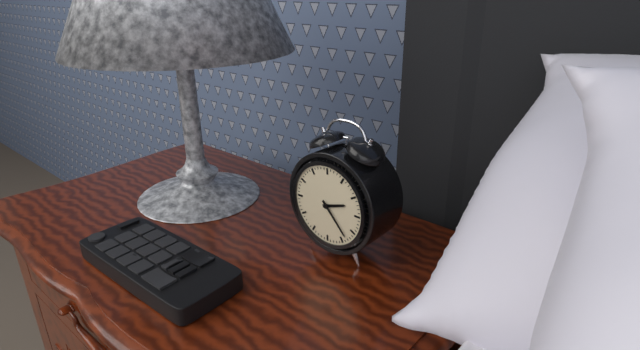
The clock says {"hour": 2, "minute": 23}
